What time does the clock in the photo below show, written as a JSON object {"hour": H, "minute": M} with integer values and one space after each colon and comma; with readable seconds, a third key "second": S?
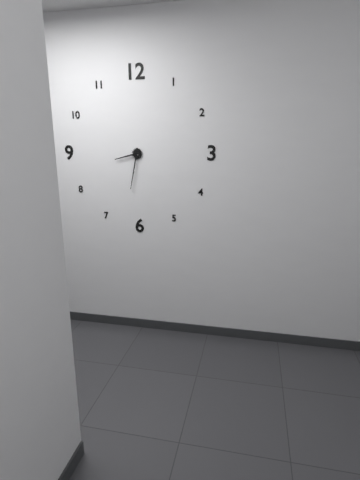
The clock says {"hour": 8, "minute": 32}
